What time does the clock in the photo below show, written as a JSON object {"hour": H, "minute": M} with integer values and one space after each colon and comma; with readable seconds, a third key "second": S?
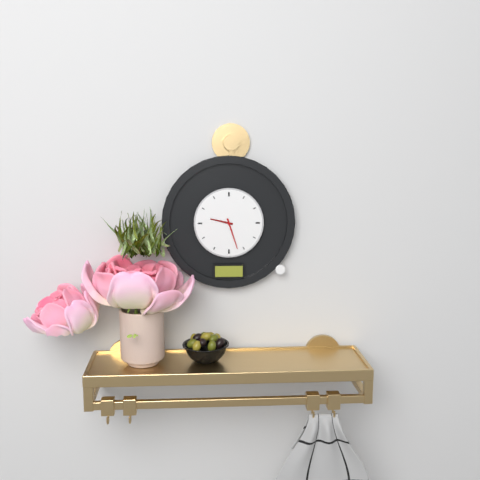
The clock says {"hour": 9, "minute": 27}
